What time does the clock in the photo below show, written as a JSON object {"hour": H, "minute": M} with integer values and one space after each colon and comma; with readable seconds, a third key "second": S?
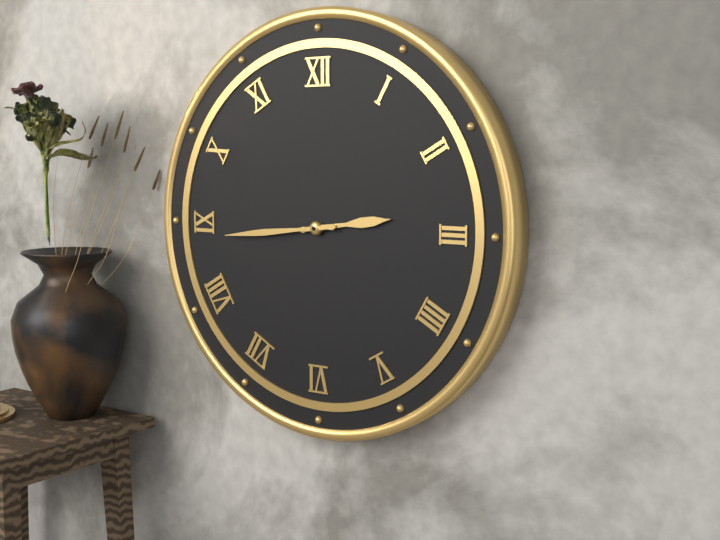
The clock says {"hour": 2, "minute": 44}
